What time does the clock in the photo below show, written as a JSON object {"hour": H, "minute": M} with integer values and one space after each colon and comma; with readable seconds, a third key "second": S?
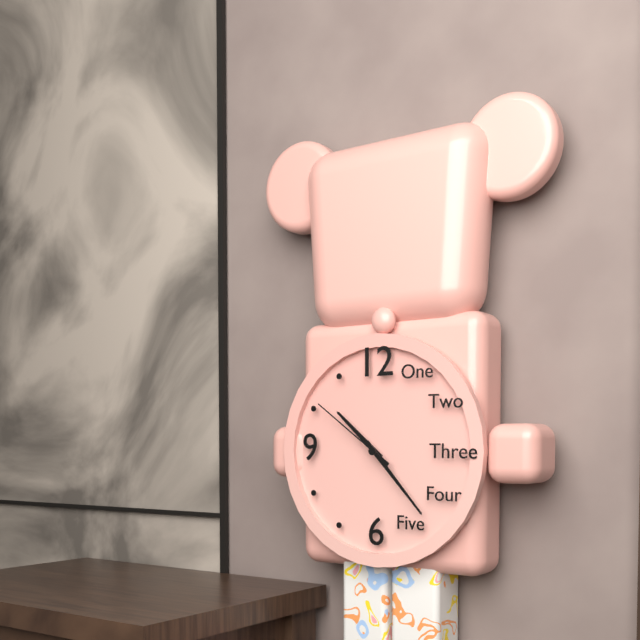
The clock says {"hour": 10, "minute": 23, "second": 51}
